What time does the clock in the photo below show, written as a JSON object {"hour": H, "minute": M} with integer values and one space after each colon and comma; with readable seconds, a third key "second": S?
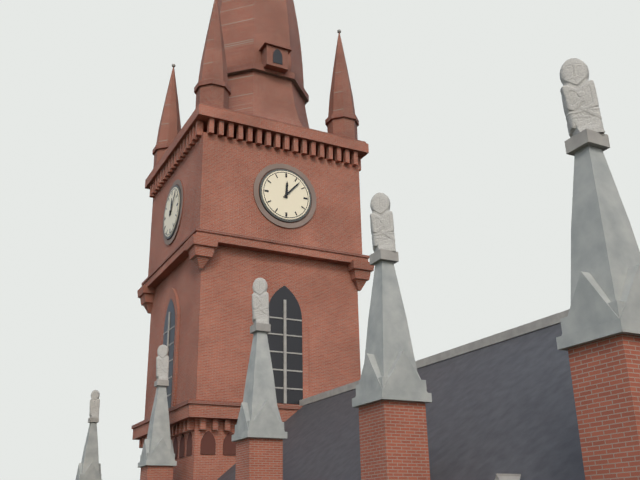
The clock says {"hour": 12, "minute": 7}
